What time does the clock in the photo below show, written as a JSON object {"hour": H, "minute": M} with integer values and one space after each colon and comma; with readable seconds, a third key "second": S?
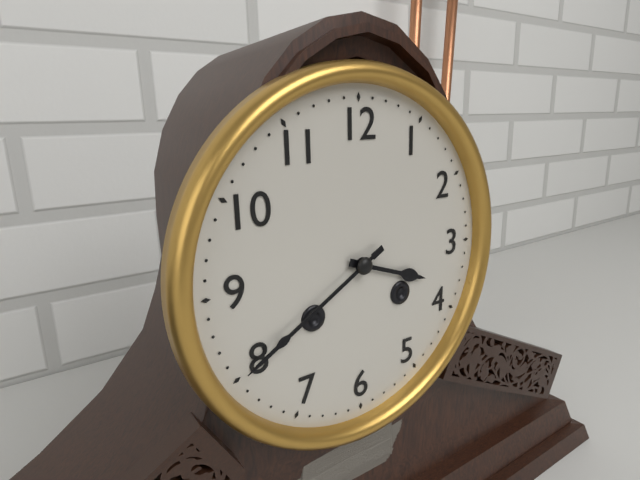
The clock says {"hour": 3, "minute": 40}
